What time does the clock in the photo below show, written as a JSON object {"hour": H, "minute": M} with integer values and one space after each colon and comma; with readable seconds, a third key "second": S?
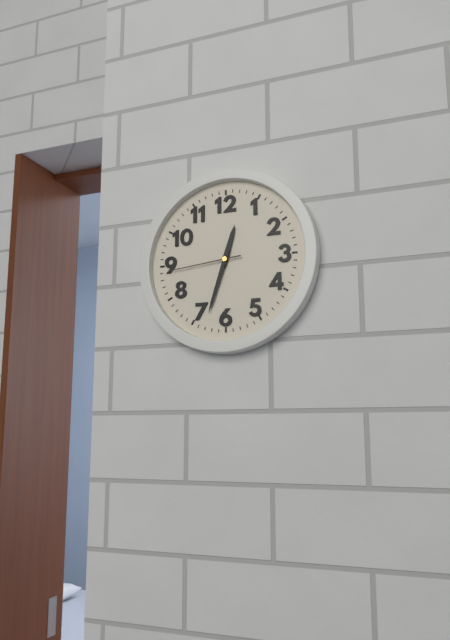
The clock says {"hour": 12, "minute": 33, "second": 44}
